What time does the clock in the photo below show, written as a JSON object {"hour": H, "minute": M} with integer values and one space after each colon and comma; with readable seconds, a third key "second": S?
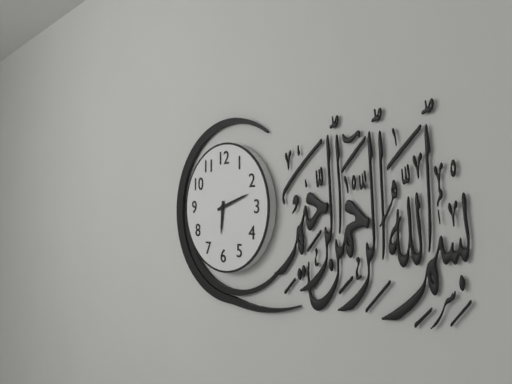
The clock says {"hour": 6, "minute": 12}
